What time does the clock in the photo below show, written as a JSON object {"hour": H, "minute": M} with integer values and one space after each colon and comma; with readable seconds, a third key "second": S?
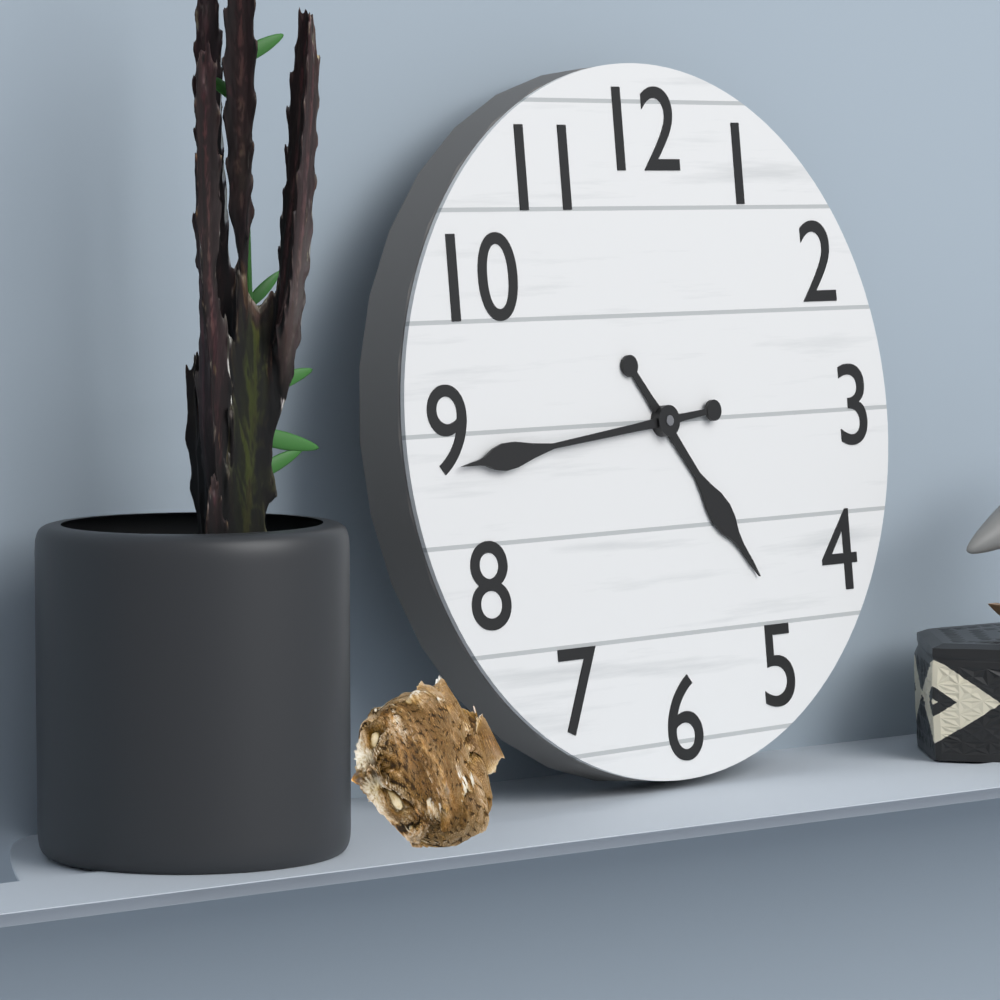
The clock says {"hour": 4, "minute": 44}
